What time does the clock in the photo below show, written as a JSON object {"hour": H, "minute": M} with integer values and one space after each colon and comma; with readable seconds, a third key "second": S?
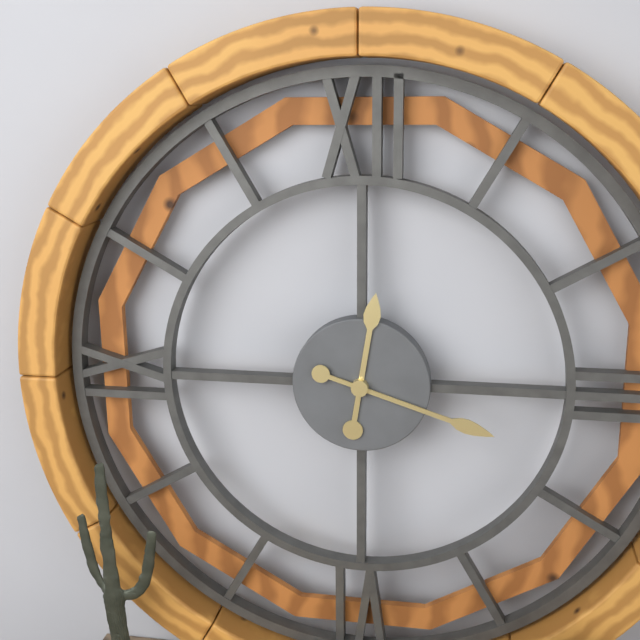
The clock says {"hour": 12, "minute": 18}
